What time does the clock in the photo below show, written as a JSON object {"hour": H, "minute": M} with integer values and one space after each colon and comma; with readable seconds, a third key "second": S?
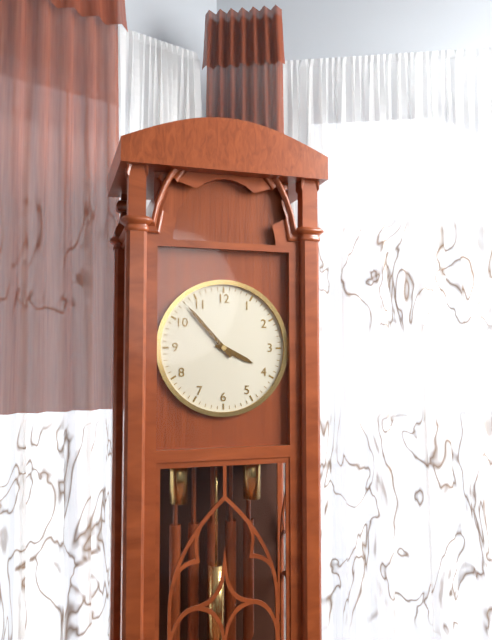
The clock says {"hour": 3, "minute": 53}
